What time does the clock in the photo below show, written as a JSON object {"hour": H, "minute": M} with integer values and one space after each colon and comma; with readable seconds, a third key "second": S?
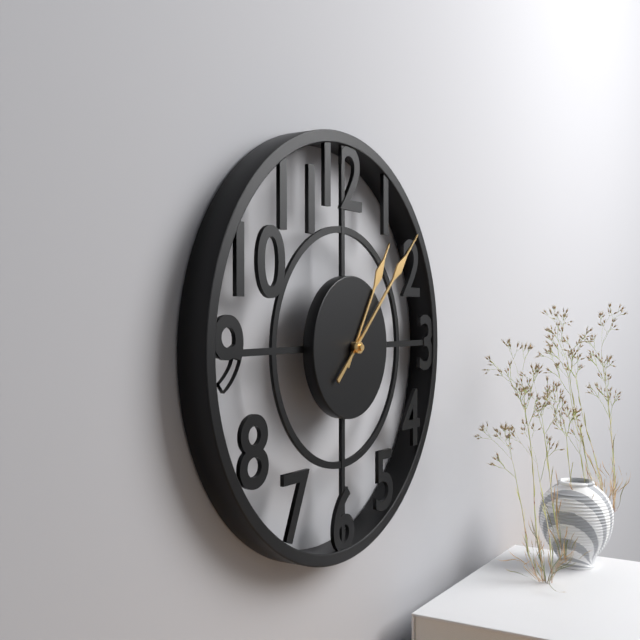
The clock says {"hour": 1, "minute": 8}
